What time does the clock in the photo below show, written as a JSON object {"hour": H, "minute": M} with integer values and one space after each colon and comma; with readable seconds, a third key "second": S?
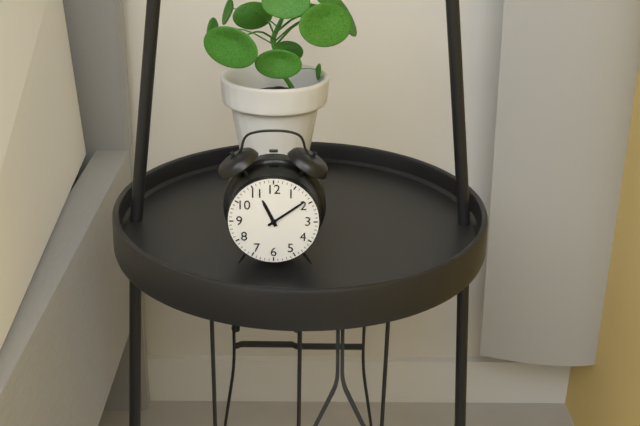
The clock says {"hour": 11, "minute": 9}
